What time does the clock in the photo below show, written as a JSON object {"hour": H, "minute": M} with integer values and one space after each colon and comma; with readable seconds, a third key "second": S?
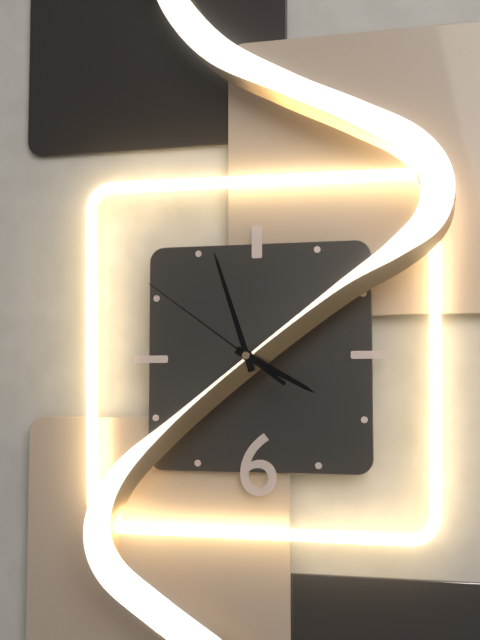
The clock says {"hour": 3, "minute": 57, "second": 51}
